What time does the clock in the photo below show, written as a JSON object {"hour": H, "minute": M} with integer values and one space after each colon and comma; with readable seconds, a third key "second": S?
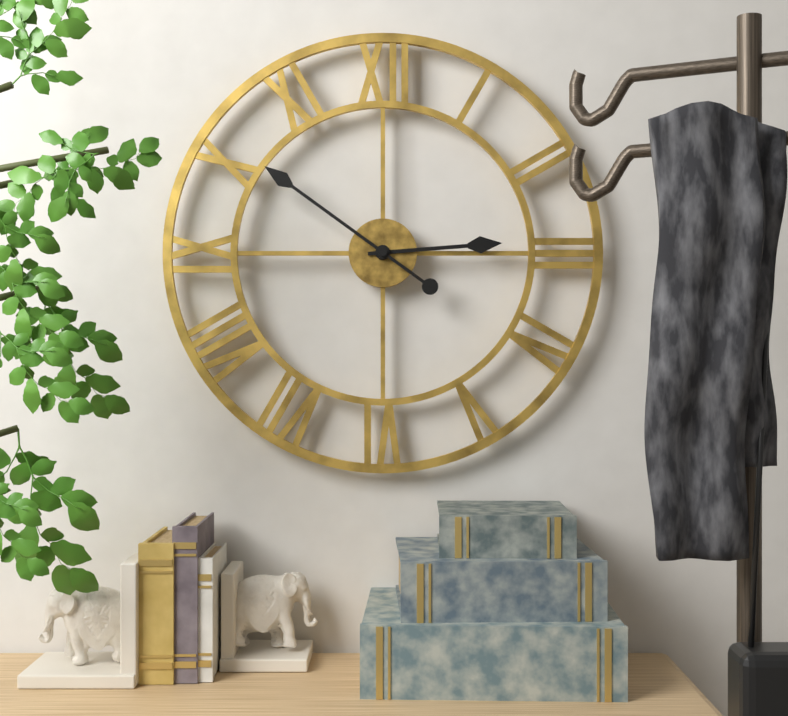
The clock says {"hour": 2, "minute": 51}
